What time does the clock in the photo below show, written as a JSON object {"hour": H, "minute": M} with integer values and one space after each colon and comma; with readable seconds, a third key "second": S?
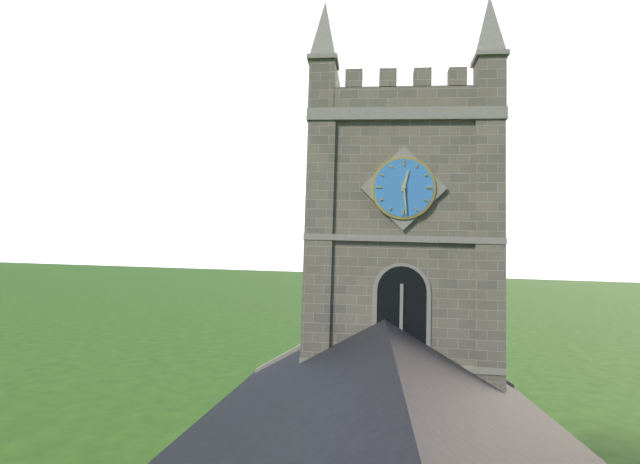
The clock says {"hour": 12, "minute": 29}
